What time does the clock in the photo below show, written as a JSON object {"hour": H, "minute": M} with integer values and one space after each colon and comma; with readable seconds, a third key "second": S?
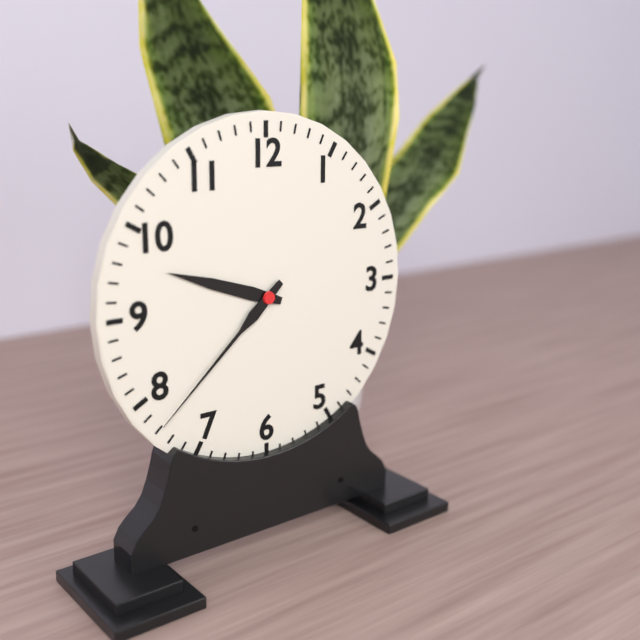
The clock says {"hour": 9, "minute": 38}
